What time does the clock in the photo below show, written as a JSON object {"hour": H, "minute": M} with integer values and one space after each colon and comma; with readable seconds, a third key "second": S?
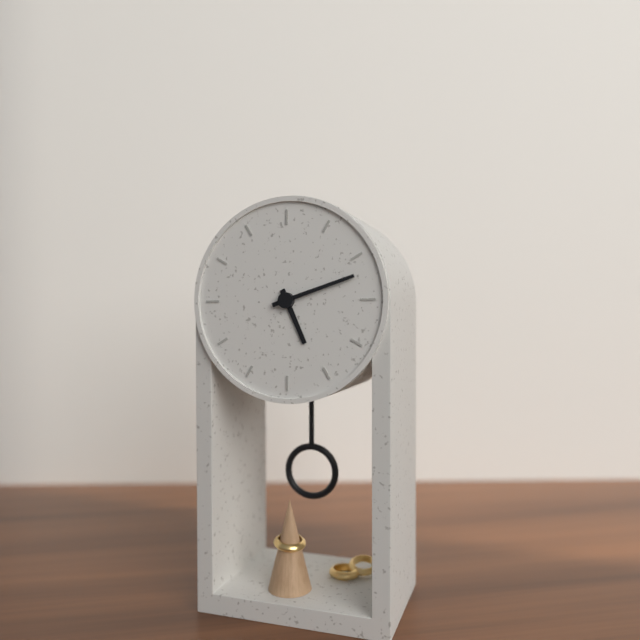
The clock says {"hour": 5, "minute": 12}
